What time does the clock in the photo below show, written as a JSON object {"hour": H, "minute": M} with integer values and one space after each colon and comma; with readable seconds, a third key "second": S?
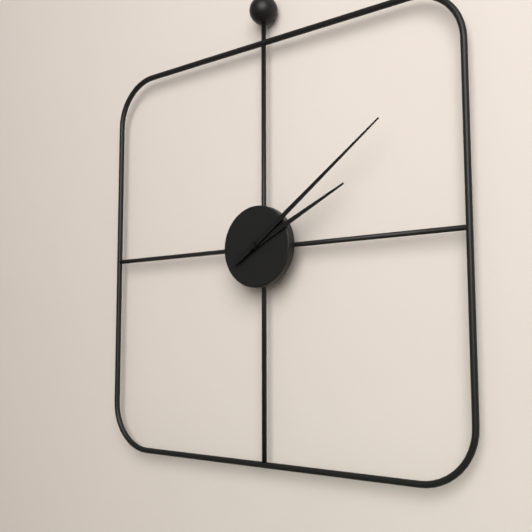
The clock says {"hour": 2, "minute": 9}
